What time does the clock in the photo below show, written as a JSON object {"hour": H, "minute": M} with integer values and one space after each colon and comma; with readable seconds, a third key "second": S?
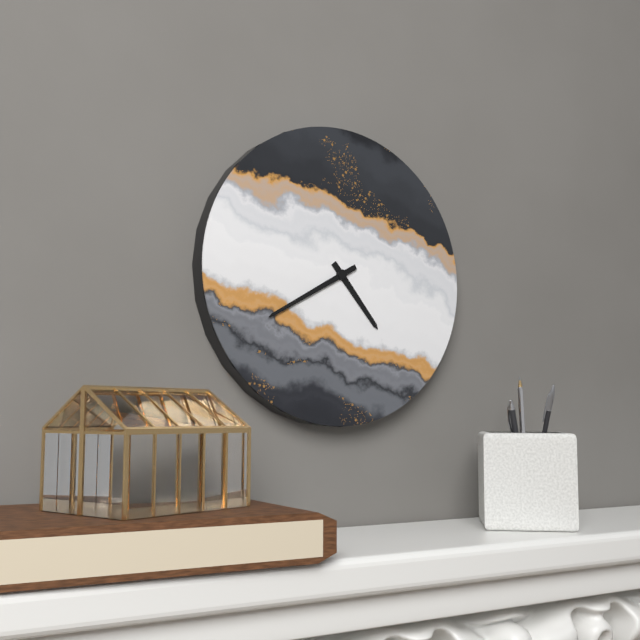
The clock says {"hour": 4, "minute": 40}
